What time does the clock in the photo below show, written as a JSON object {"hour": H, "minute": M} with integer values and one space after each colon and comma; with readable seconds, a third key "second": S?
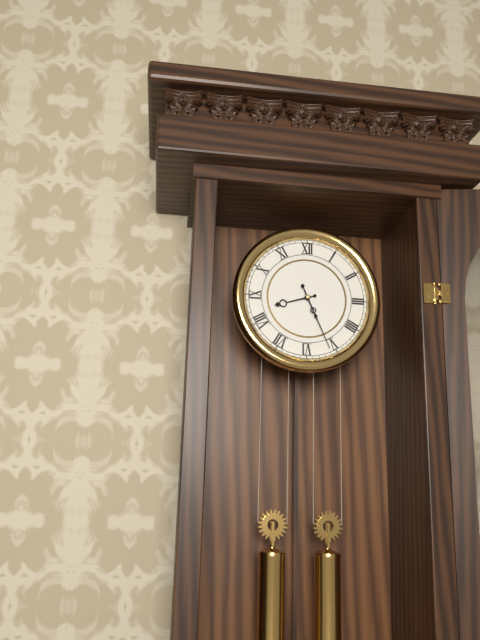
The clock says {"hour": 8, "minute": 26}
